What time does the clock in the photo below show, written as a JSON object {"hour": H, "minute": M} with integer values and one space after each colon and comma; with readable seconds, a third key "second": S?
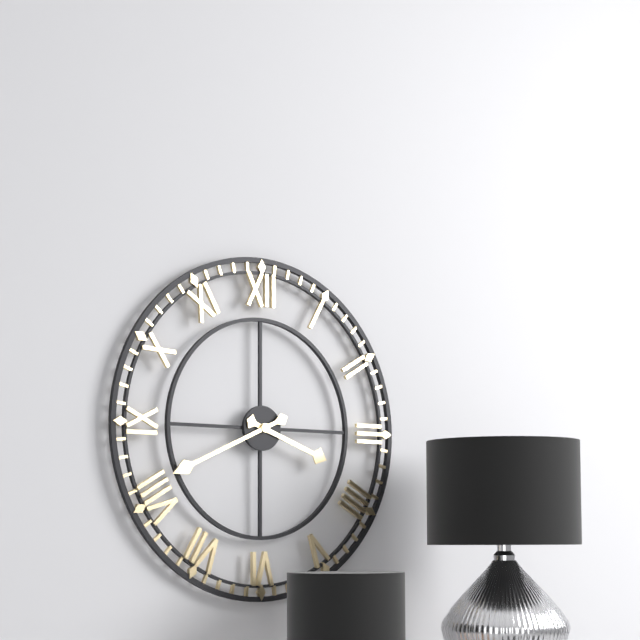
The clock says {"hour": 3, "minute": 41}
